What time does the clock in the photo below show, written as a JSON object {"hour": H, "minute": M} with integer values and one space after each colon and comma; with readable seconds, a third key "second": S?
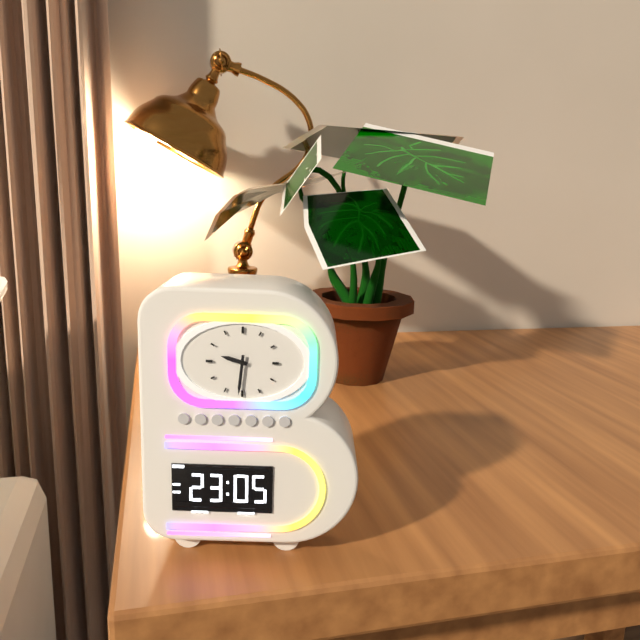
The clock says {"hour": 9, "minute": 31}
